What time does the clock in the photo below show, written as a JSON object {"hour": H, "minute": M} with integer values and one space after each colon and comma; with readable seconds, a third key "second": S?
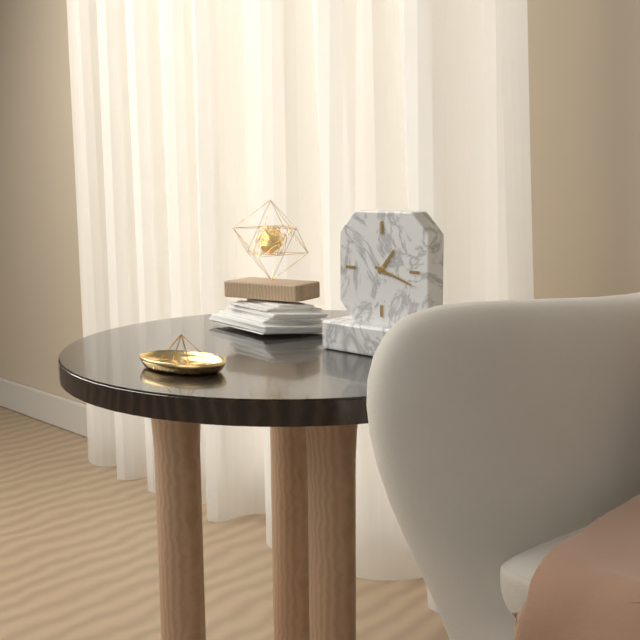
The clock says {"hour": 1, "minute": 18}
